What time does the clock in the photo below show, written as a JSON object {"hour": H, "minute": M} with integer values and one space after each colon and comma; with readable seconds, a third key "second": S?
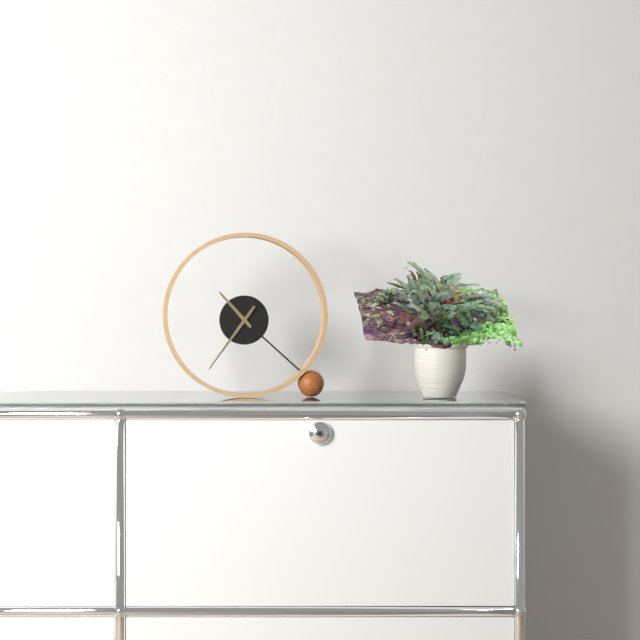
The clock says {"hour": 10, "minute": 36}
